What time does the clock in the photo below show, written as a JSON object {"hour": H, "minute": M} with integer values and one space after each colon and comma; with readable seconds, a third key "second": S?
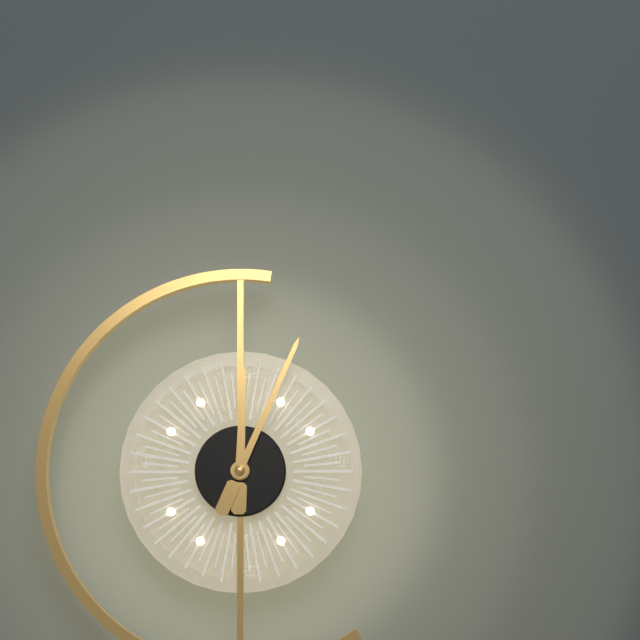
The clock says {"hour": 12, "minute": 4}
